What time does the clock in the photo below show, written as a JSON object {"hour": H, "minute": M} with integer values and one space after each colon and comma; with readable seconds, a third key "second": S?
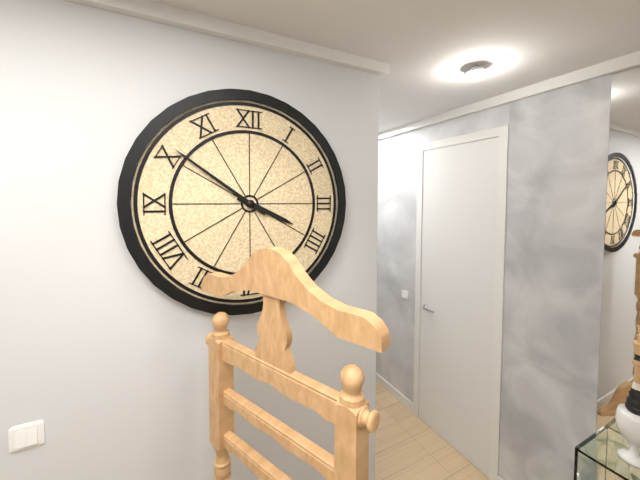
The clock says {"hour": 3, "minute": 51}
